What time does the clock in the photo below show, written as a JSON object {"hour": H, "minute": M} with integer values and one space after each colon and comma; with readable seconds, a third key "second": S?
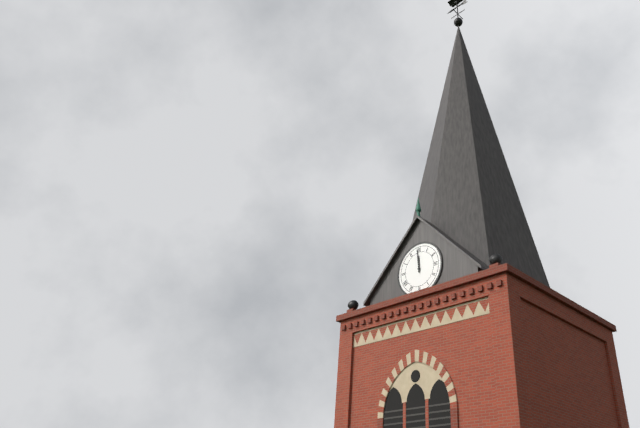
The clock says {"hour": 11, "minute": 59}
